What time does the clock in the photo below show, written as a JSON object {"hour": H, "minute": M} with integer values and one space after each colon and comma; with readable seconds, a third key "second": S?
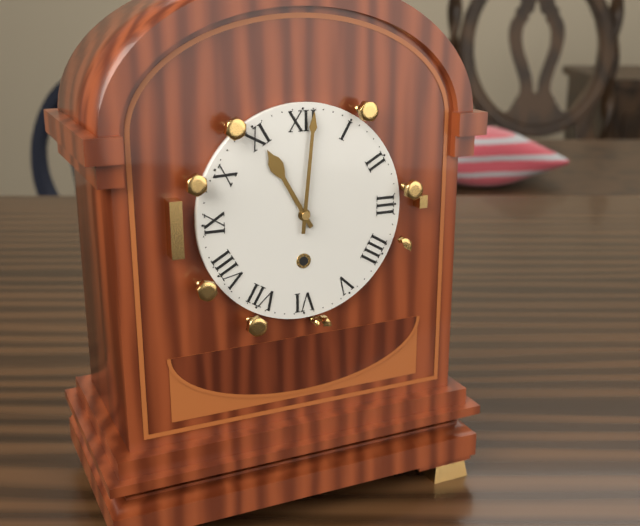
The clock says {"hour": 11, "minute": 1}
